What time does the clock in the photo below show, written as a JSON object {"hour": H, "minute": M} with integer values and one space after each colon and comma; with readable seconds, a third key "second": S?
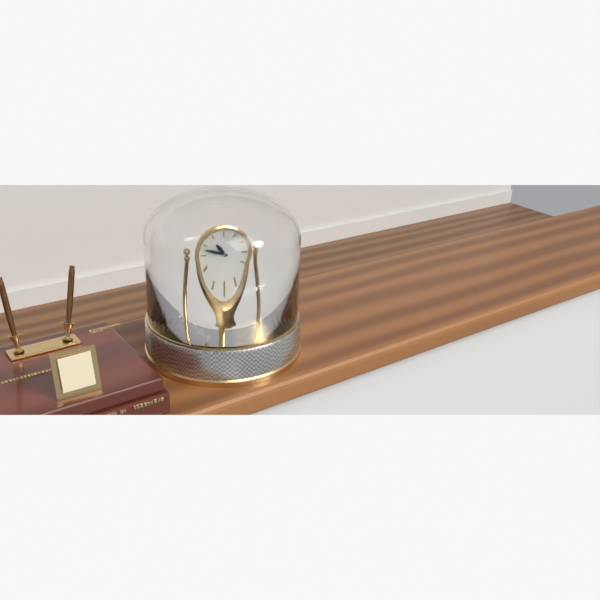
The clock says {"hour": 10, "minute": 48}
